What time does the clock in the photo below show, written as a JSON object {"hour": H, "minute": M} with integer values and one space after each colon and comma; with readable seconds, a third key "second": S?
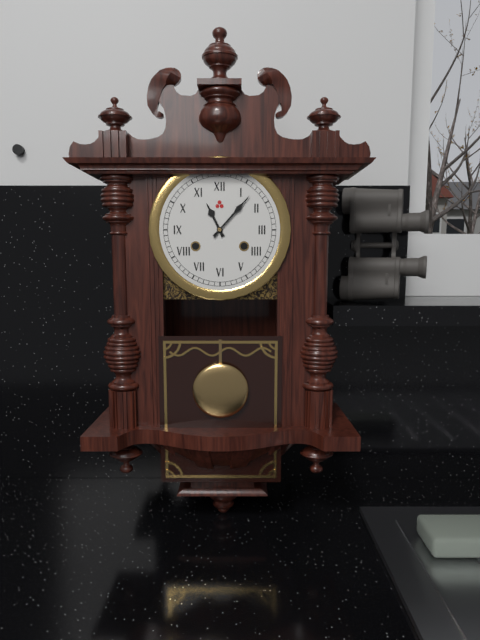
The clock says {"hour": 11, "minute": 7}
